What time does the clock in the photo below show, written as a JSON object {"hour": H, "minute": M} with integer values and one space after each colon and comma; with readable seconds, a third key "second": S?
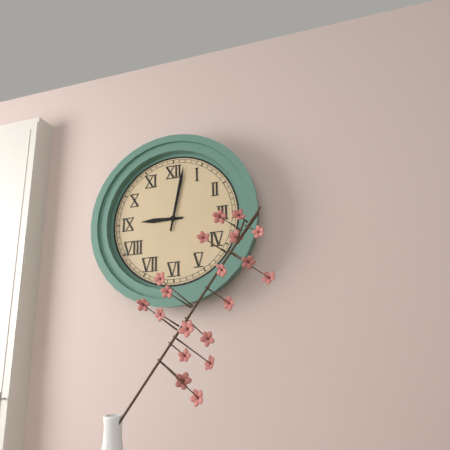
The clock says {"hour": 9, "minute": 2}
